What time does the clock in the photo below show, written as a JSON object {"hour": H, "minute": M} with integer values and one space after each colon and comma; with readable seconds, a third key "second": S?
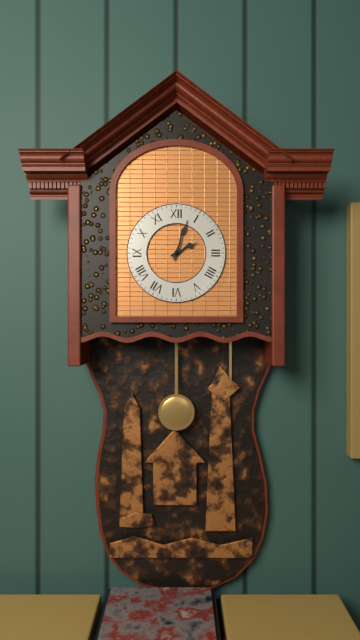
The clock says {"hour": 2, "minute": 3}
